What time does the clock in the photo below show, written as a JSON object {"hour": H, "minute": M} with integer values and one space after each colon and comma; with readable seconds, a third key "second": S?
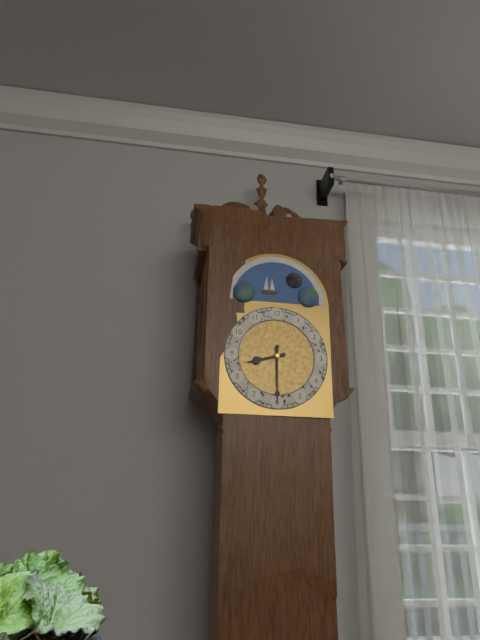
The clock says {"hour": 8, "minute": 30}
